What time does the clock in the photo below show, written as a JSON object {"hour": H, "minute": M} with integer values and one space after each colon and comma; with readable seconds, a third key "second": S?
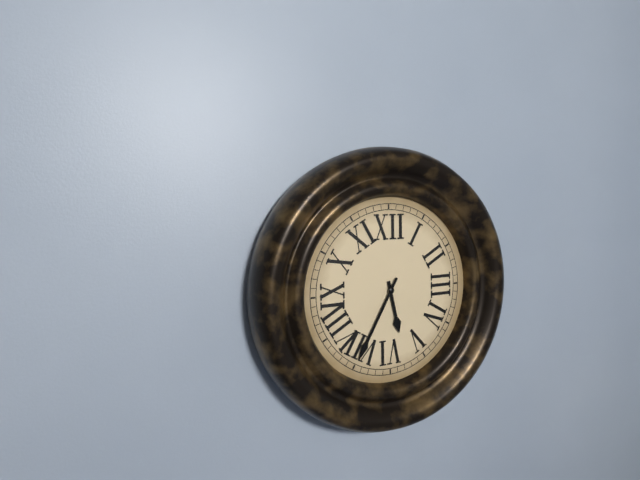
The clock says {"hour": 5, "minute": 35}
